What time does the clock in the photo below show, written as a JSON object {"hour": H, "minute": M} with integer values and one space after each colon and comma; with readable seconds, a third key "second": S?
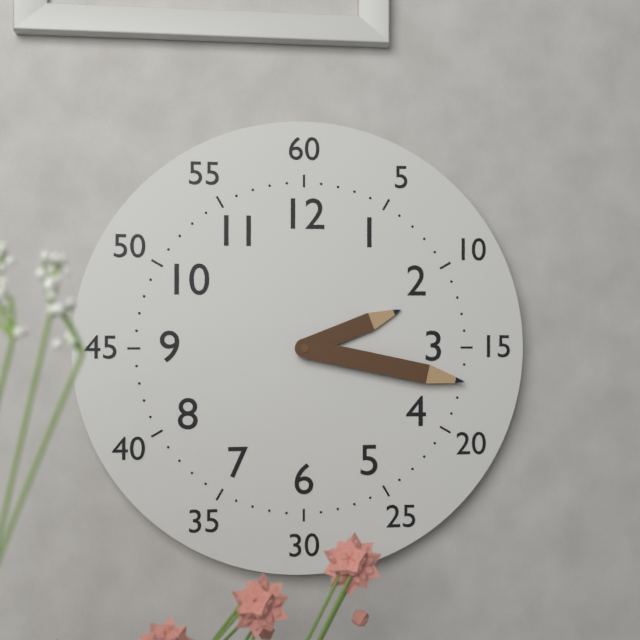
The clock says {"hour": 2, "minute": 17}
